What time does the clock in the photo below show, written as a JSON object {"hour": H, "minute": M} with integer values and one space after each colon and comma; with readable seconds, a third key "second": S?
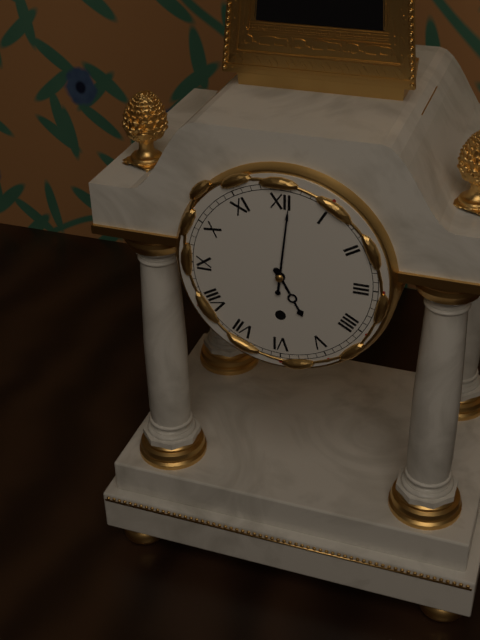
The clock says {"hour": 5, "minute": 1}
